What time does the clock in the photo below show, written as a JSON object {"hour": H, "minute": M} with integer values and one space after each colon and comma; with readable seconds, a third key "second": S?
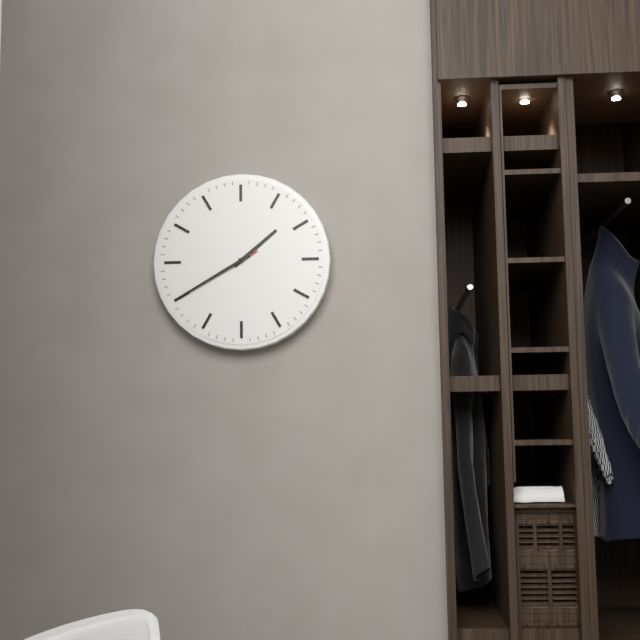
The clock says {"hour": 1, "minute": 40, "second": 40}
